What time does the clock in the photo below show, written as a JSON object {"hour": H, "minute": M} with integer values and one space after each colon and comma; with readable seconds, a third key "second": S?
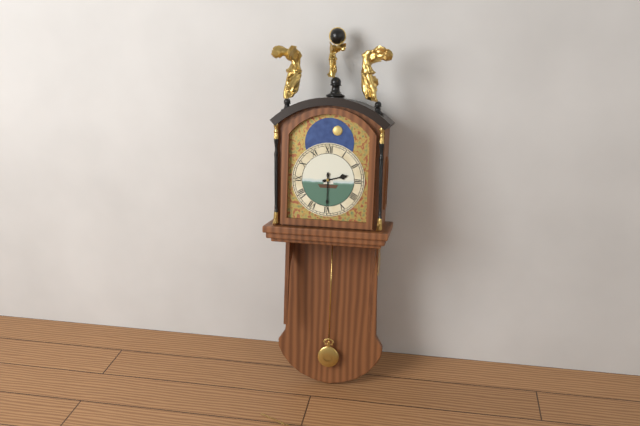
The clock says {"hour": 2, "minute": 30}
